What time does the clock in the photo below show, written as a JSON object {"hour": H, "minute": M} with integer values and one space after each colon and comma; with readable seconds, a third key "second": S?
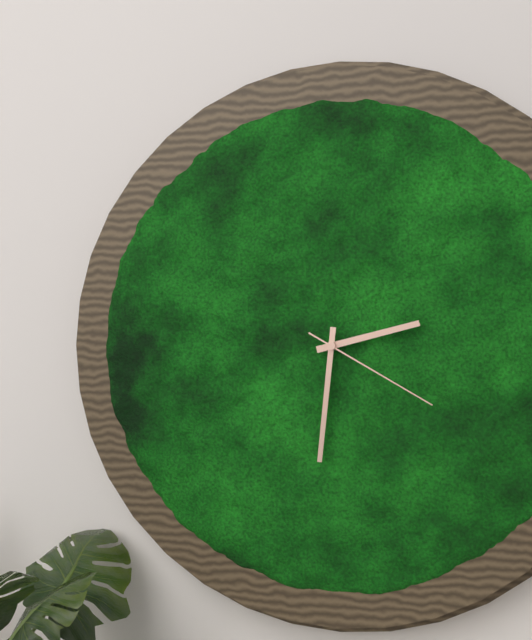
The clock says {"hour": 2, "minute": 31, "second": 20}
